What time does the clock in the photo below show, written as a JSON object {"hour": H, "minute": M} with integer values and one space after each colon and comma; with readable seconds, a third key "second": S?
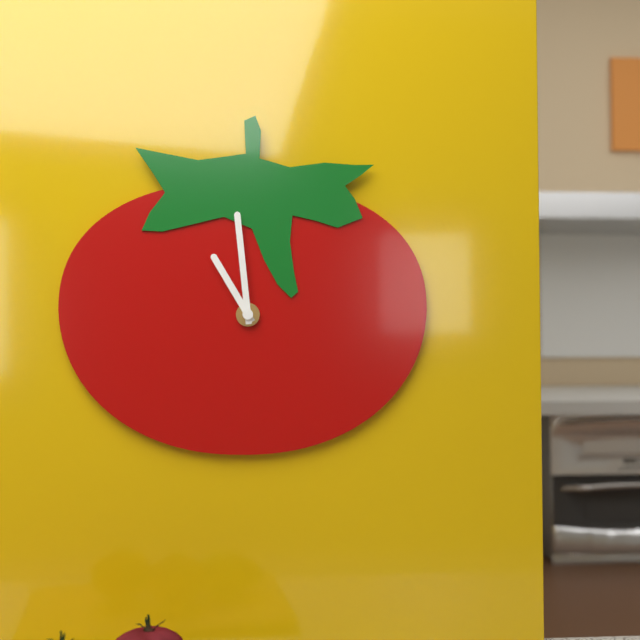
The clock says {"hour": 10, "minute": 59}
